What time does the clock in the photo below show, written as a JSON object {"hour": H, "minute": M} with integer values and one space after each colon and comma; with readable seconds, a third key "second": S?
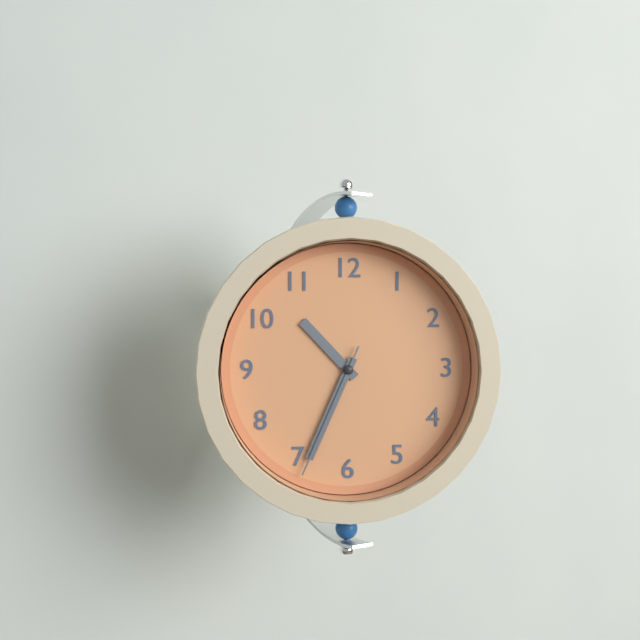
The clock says {"hour": 10, "minute": 34, "second": 34}
